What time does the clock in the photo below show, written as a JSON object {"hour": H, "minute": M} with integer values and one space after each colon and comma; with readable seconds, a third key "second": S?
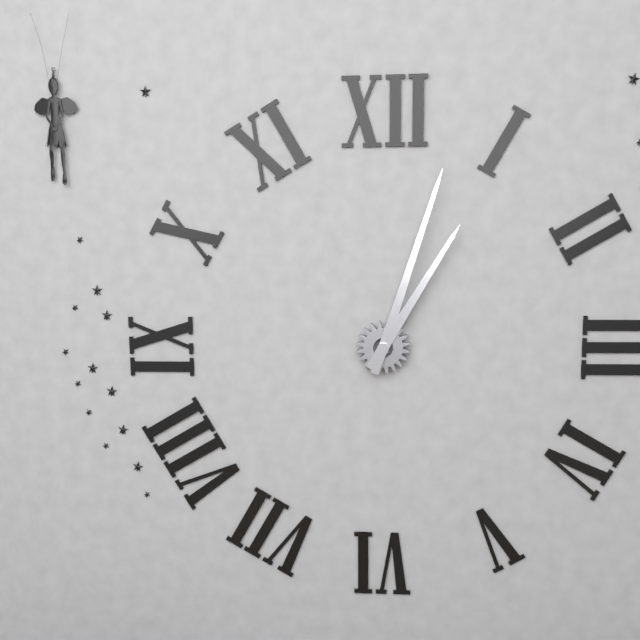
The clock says {"hour": 1, "minute": 3}
